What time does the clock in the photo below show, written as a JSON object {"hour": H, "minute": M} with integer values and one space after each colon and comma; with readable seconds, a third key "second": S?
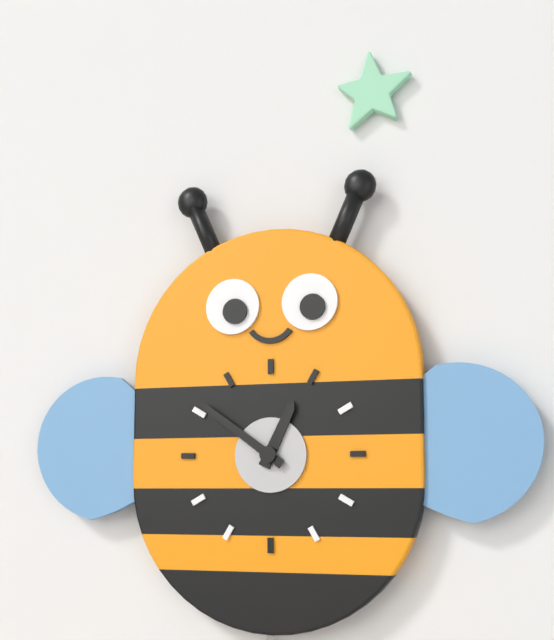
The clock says {"hour": 12, "minute": 51}
